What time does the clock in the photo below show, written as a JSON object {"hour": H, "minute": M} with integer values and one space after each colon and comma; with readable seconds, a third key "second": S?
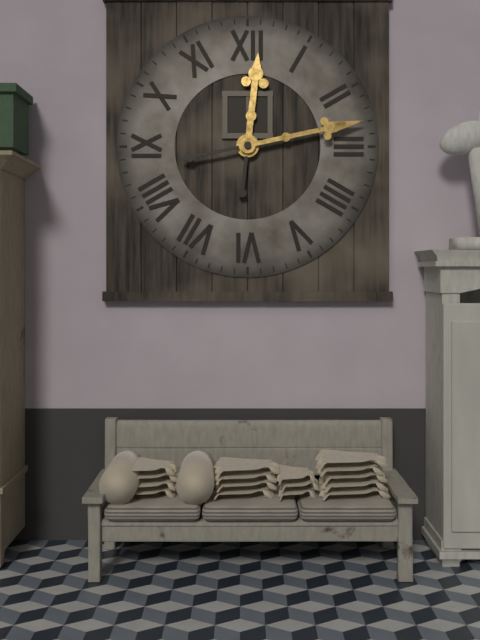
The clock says {"hour": 12, "minute": 13}
